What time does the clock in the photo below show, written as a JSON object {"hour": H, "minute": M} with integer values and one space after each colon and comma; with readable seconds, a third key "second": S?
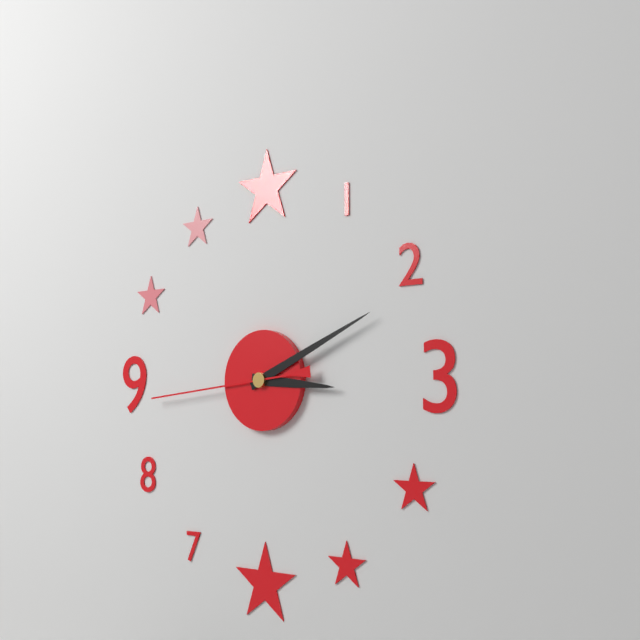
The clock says {"hour": 3, "minute": 11, "second": 44}
